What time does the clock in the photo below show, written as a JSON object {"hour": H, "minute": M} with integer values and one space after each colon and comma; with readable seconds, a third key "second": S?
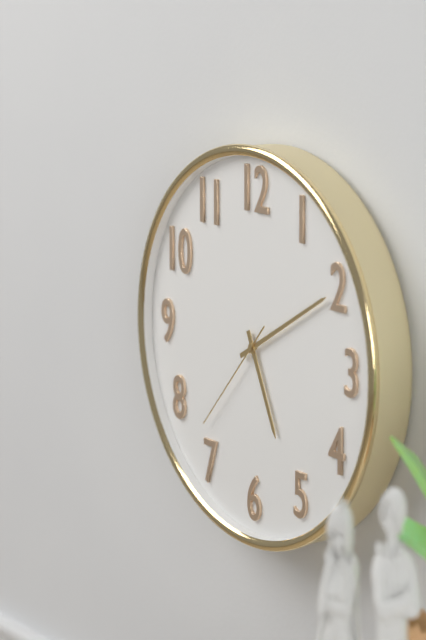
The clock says {"hour": 5, "minute": 10, "second": 37}
